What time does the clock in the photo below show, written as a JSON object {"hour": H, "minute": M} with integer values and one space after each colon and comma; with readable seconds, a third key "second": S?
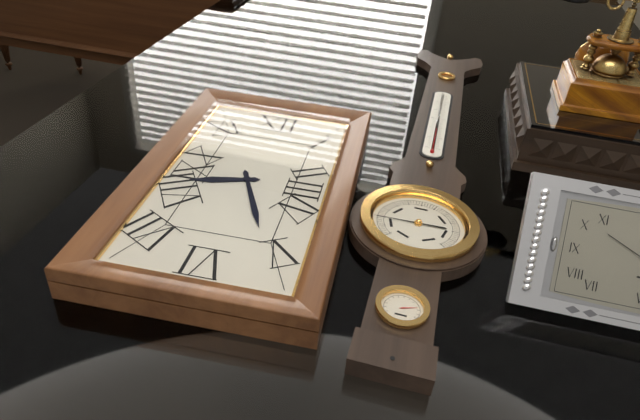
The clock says {"hour": 8, "minute": 26}
